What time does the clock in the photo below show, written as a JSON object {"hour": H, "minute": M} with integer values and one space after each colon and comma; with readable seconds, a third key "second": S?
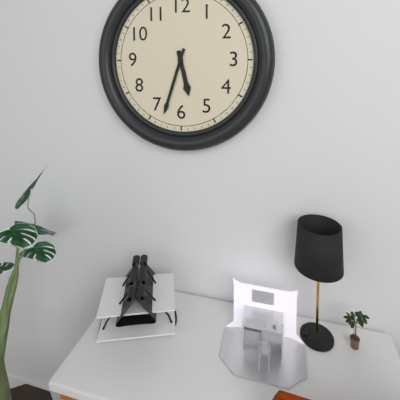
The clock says {"hour": 5, "minute": 33}
